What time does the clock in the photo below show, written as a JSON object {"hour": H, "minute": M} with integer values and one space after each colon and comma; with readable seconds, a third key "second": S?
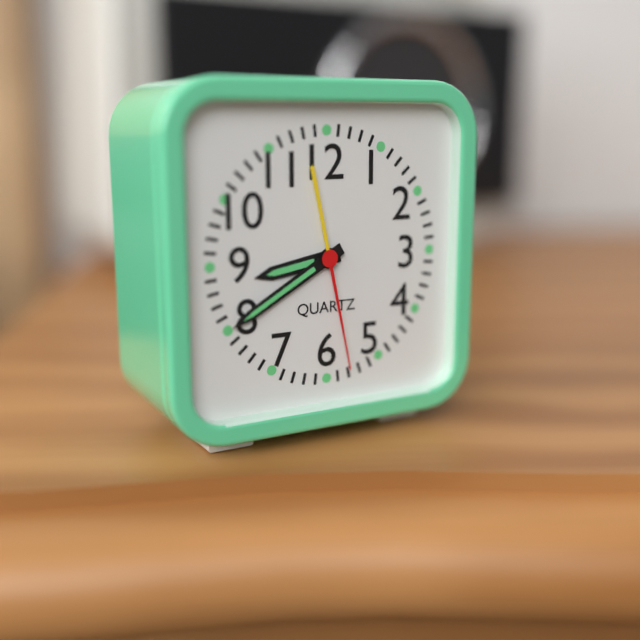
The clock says {"hour": 8, "minute": 40, "second": 28}
